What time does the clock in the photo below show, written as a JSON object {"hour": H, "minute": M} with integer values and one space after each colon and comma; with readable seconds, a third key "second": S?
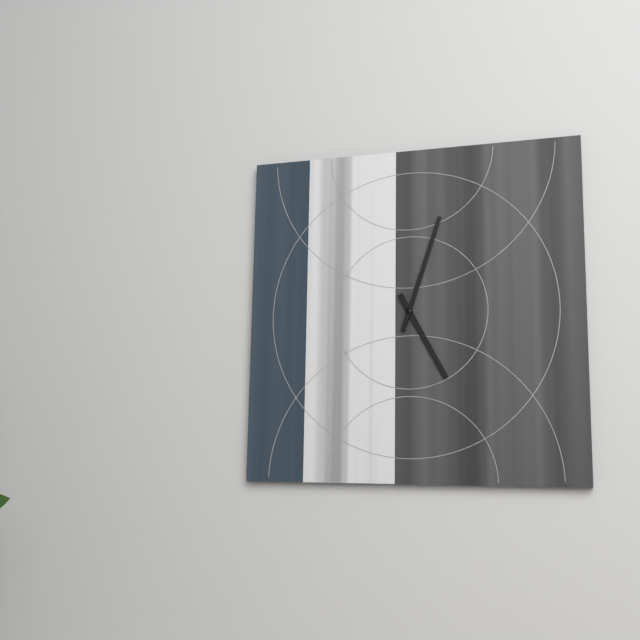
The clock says {"hour": 5, "minute": 3}
